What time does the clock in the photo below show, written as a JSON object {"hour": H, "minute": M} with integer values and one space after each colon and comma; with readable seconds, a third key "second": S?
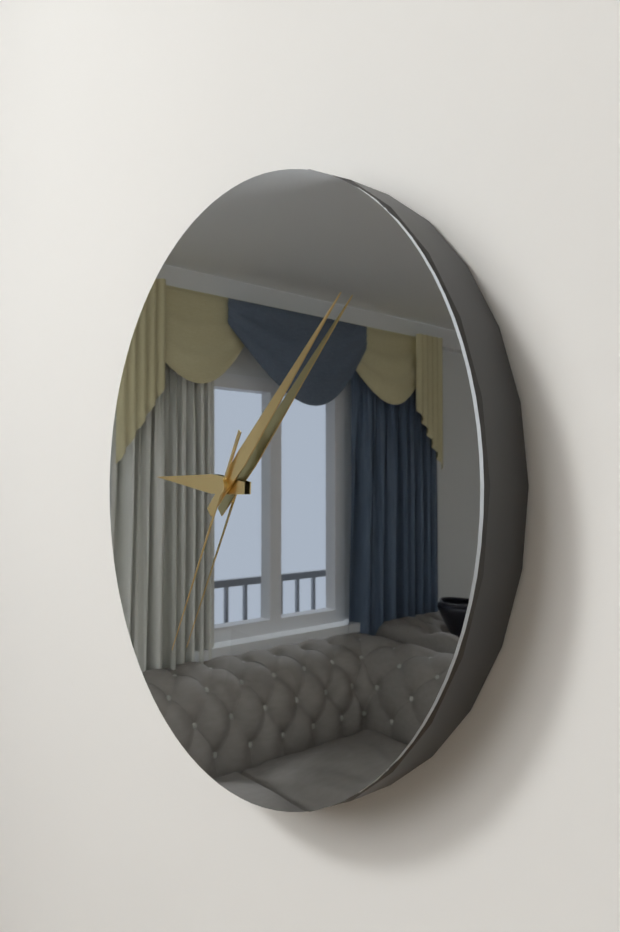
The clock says {"hour": 9, "minute": 8, "second": 35}
